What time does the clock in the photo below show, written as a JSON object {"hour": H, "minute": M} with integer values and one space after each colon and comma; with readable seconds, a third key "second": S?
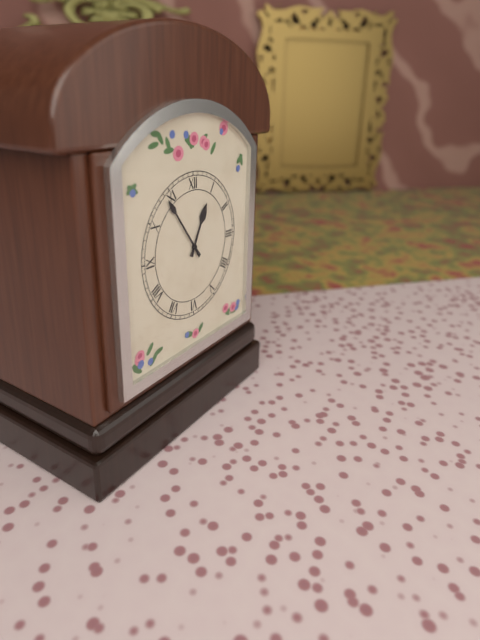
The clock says {"hour": 12, "minute": 54}
